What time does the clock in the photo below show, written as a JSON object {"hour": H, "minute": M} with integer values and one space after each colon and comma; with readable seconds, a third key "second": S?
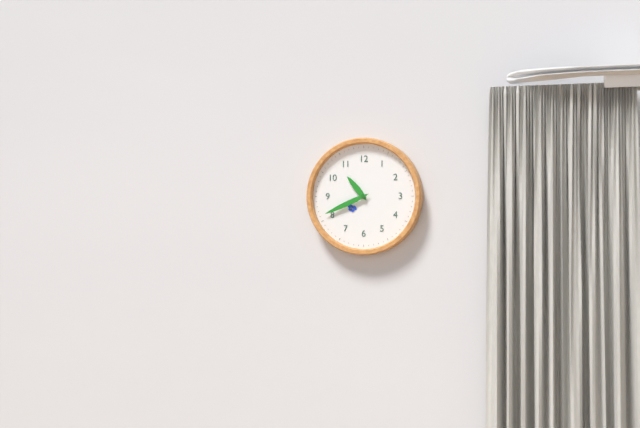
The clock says {"hour": 10, "minute": 41}
